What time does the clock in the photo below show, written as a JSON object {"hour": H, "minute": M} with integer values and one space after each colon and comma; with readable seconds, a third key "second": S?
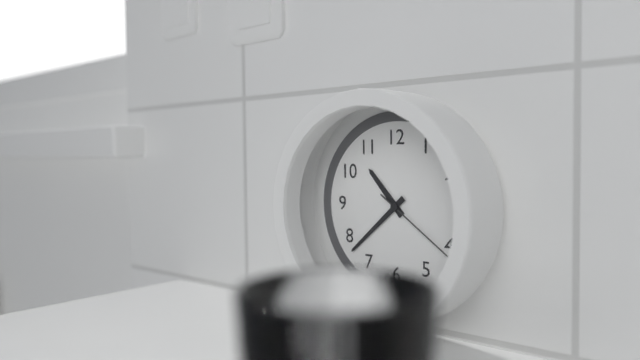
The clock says {"hour": 10, "minute": 38, "second": 21}
